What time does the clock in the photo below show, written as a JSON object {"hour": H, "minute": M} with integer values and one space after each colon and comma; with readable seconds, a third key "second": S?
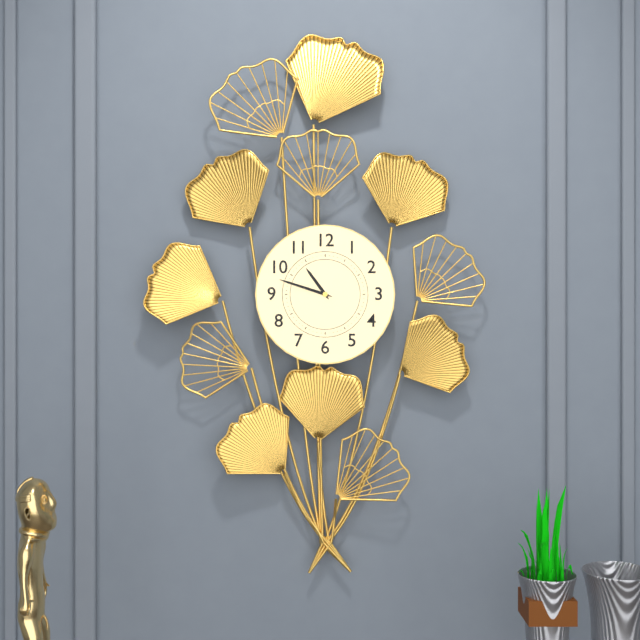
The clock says {"hour": 10, "minute": 48}
